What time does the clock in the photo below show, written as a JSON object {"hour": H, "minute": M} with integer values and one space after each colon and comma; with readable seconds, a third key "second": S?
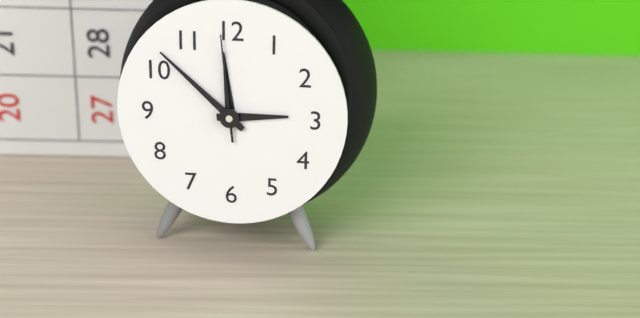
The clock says {"hour": 2, "minute": 52, "second": 59}
